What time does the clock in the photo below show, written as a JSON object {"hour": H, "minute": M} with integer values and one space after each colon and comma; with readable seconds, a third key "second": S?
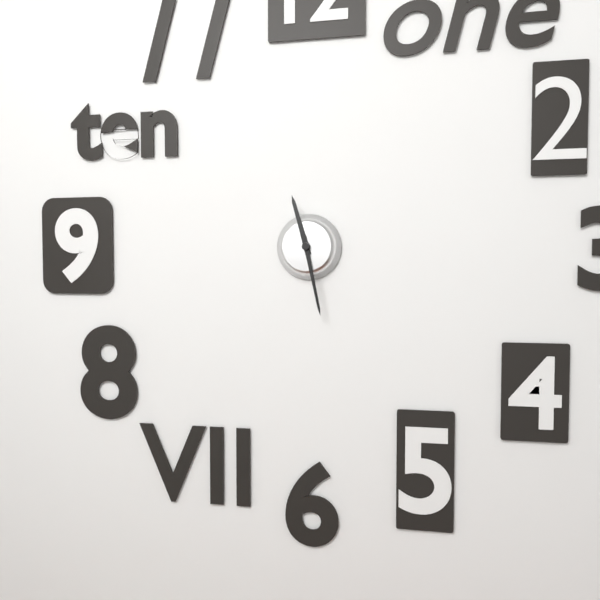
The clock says {"hour": 11, "minute": 28}
